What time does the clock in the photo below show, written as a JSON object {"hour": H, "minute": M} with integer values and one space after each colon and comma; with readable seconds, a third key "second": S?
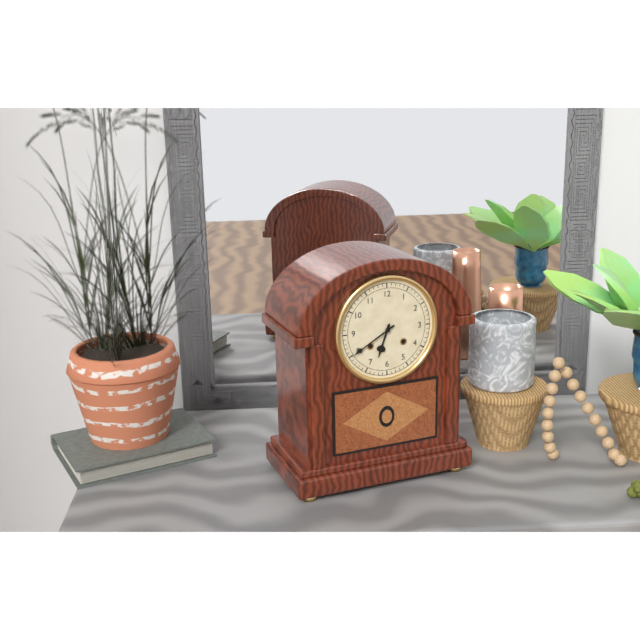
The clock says {"hour": 6, "minute": 40}
